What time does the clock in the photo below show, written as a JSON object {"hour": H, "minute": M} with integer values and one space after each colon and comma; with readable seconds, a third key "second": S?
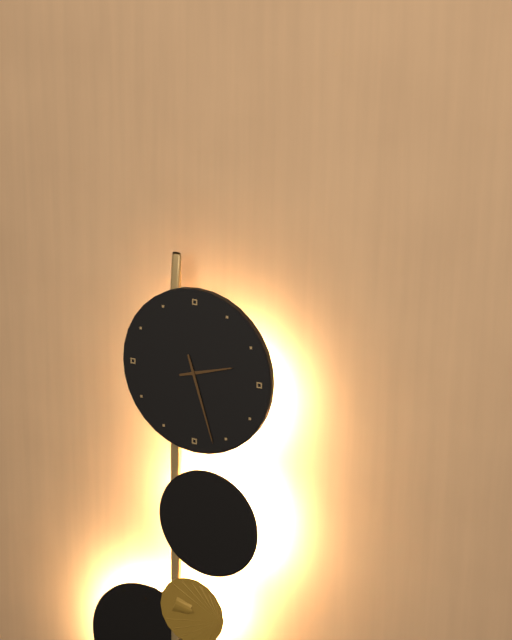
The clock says {"hour": 2, "minute": 27}
